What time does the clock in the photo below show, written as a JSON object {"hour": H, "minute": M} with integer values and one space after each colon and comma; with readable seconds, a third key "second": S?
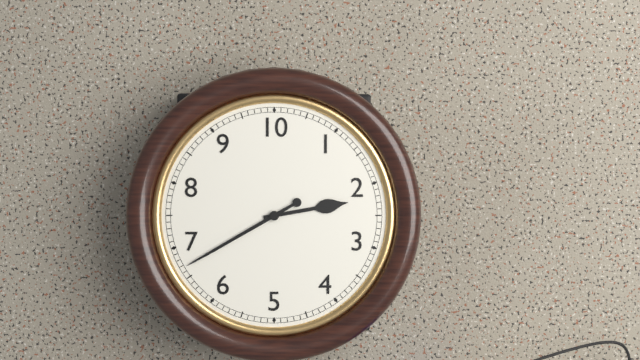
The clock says {"hour": 2, "minute": 40}
